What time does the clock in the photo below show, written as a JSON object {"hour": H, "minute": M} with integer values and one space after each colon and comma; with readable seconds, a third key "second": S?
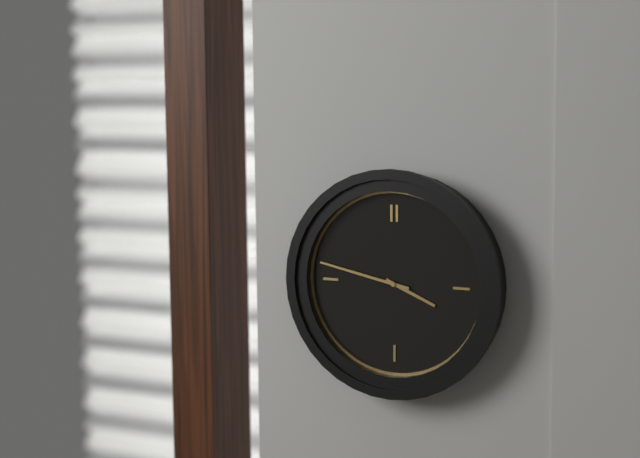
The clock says {"hour": 3, "minute": 47}
